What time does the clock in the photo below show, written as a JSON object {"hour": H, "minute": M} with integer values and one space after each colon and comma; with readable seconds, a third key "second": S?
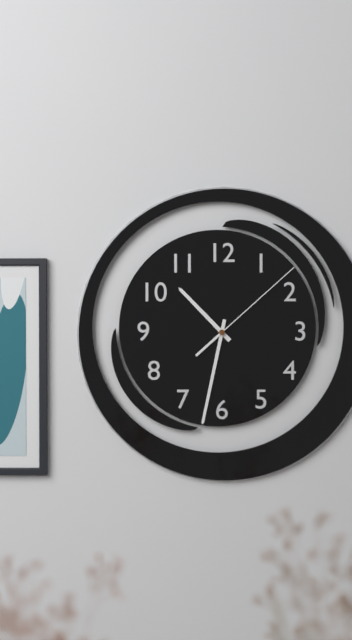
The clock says {"hour": 10, "minute": 32, "second": 8}
